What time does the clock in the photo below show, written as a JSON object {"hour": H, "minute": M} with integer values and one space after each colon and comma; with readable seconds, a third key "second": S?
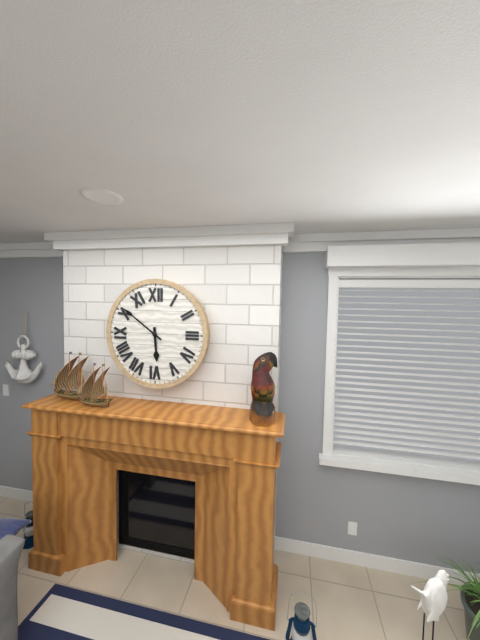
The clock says {"hour": 5, "minute": 51}
